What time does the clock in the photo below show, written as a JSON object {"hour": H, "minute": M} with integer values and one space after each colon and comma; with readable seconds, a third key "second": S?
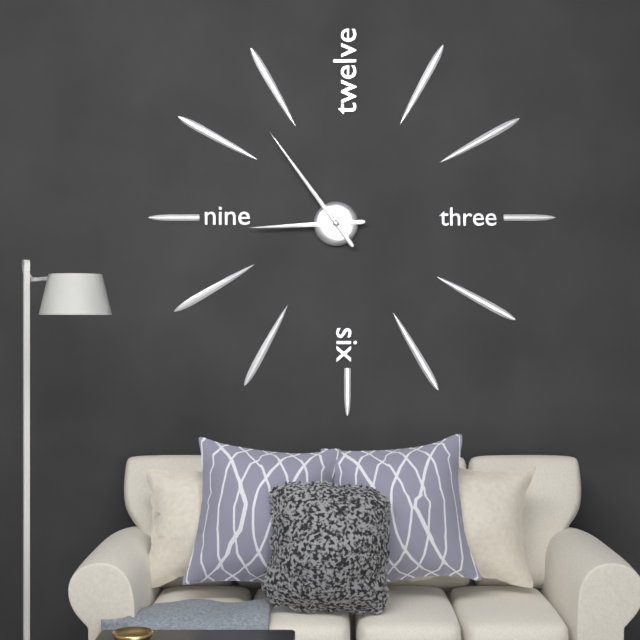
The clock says {"hour": 8, "minute": 54}
